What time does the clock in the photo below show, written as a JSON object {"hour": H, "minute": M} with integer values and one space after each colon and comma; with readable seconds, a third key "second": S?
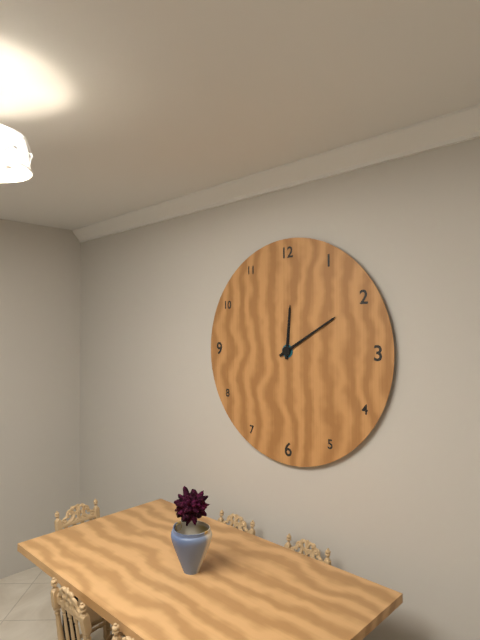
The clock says {"hour": 12, "minute": 10}
